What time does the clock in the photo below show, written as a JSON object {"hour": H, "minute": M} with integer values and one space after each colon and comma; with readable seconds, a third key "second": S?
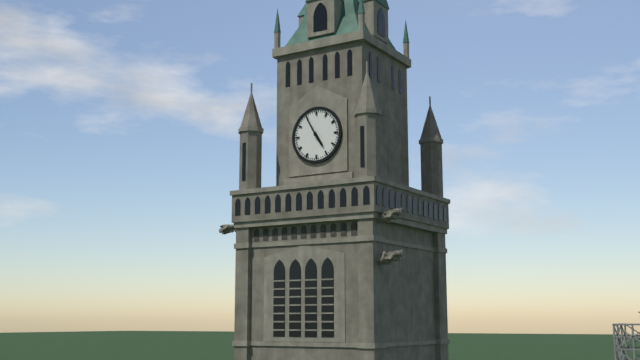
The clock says {"hour": 4, "minute": 55}
